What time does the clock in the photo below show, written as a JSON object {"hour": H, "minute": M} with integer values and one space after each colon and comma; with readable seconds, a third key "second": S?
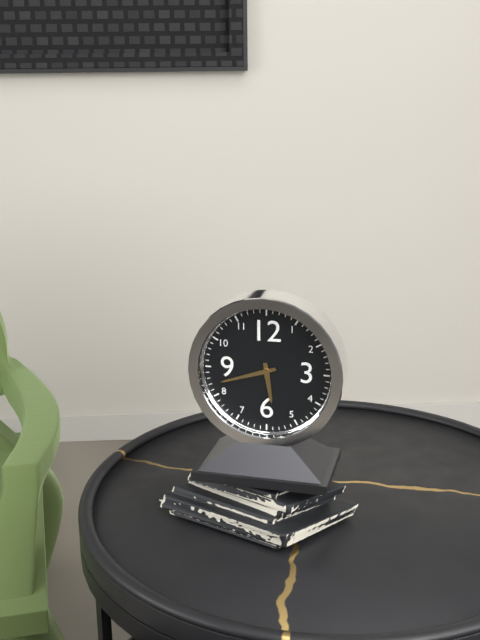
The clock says {"hour": 5, "minute": 42}
